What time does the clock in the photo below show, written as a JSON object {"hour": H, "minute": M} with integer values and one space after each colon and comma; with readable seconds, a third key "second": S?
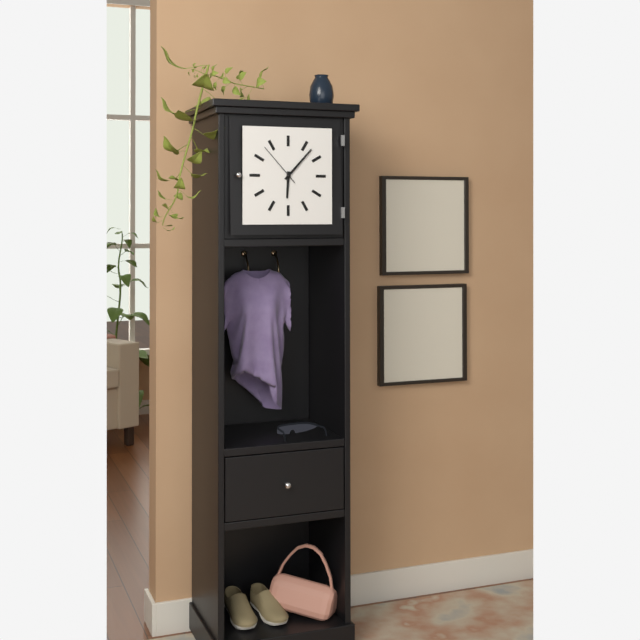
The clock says {"hour": 6, "minute": 7}
